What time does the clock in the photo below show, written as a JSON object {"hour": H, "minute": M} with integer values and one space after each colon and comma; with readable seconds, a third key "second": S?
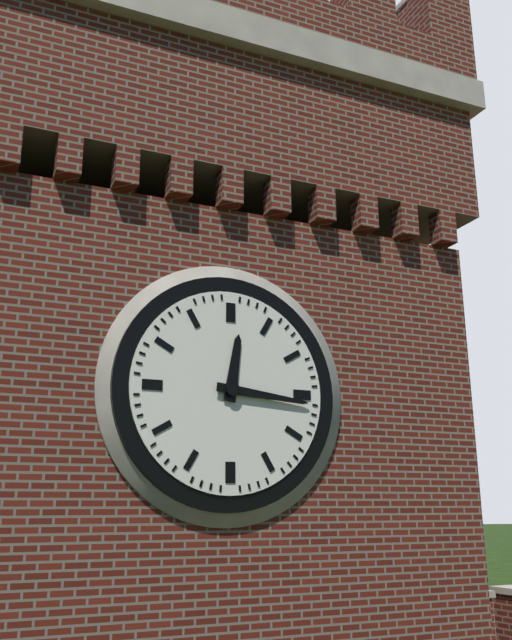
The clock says {"hour": 12, "minute": 16}
